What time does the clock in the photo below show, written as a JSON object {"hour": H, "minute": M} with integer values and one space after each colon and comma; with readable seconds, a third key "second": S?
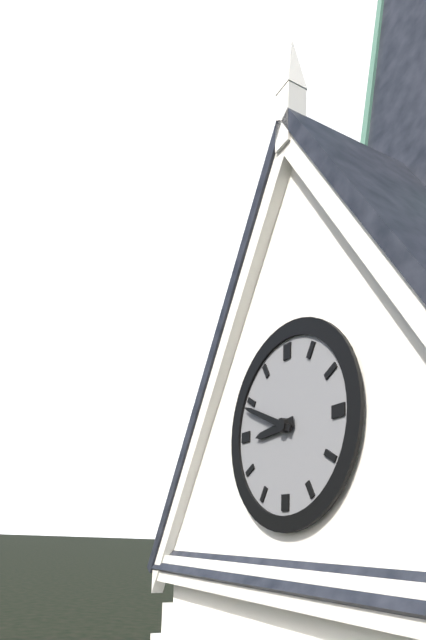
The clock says {"hour": 8, "minute": 49}
